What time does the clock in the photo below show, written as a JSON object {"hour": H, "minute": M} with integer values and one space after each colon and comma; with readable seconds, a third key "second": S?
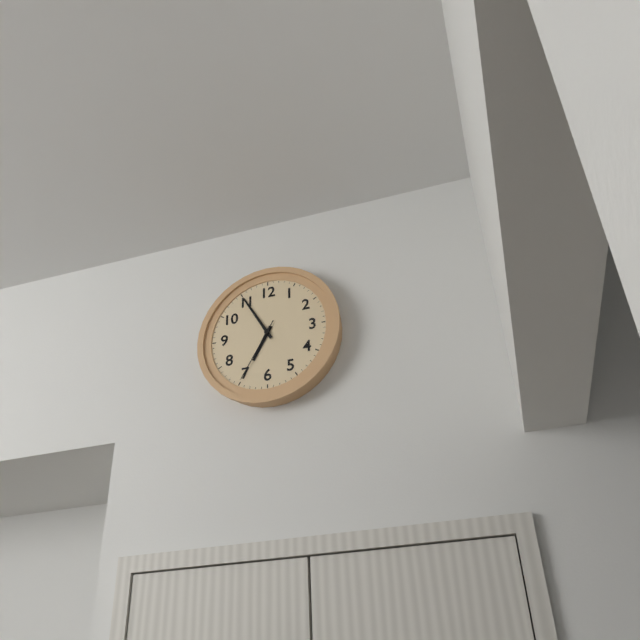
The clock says {"hour": 6, "minute": 55, "second": 35}
